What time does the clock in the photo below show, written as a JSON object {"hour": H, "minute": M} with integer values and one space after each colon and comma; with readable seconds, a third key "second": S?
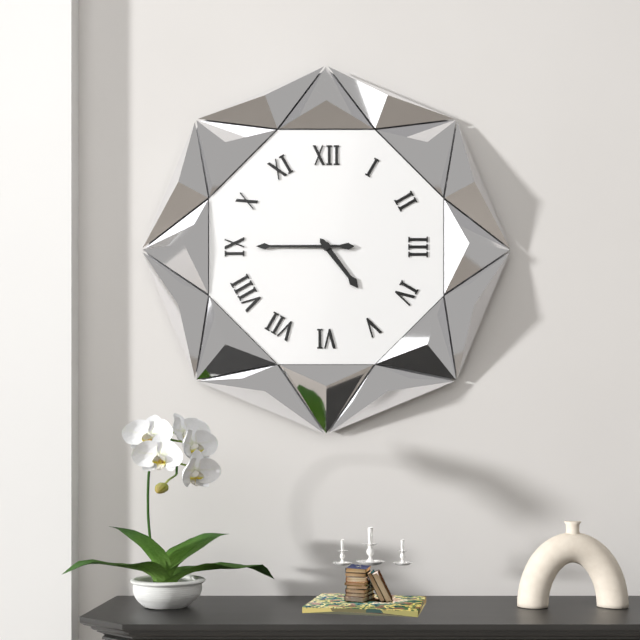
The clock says {"hour": 4, "minute": 45}
